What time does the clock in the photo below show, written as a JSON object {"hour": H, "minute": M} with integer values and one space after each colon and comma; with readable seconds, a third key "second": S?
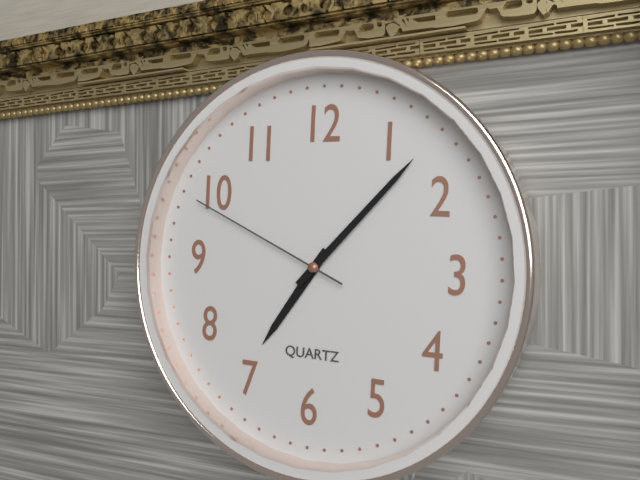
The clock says {"hour": 7, "minute": 7, "second": 49}
